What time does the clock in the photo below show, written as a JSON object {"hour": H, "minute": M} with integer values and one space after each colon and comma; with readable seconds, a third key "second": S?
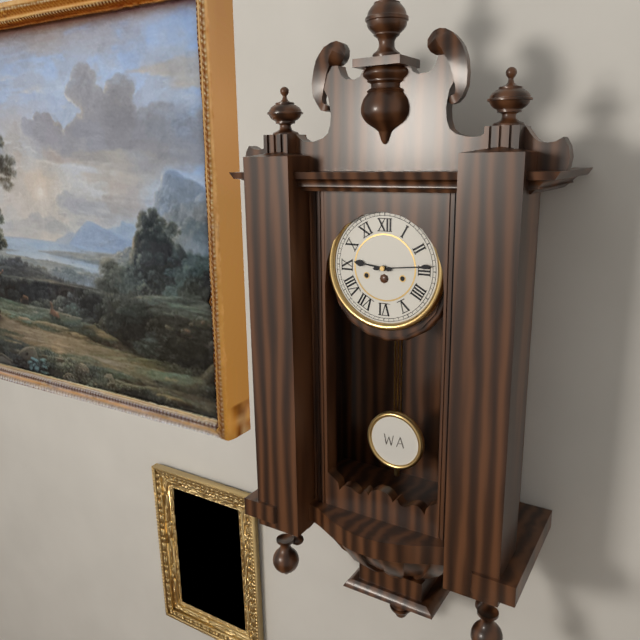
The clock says {"hour": 9, "minute": 14}
